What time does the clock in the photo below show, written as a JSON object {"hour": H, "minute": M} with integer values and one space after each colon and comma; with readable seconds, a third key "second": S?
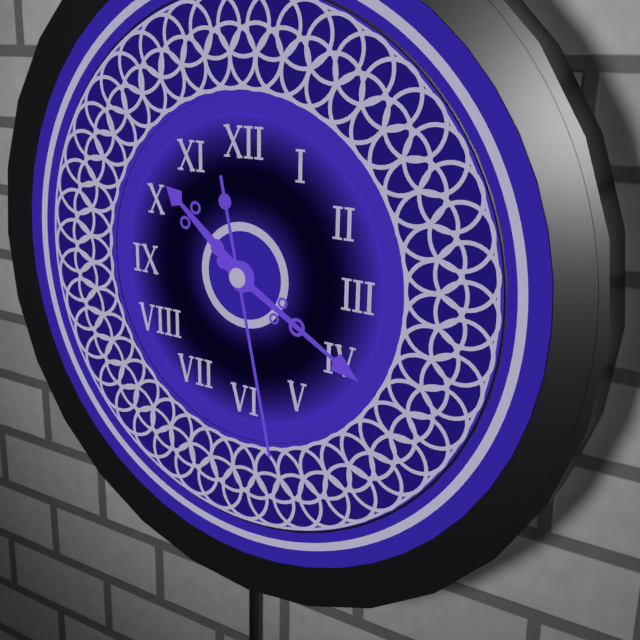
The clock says {"hour": 10, "minute": 20, "second": 28}
